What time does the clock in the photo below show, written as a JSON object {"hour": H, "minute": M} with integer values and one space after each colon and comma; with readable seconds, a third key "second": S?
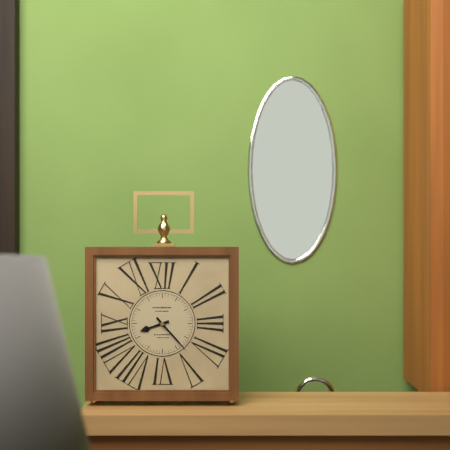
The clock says {"hour": 8, "minute": 23}
